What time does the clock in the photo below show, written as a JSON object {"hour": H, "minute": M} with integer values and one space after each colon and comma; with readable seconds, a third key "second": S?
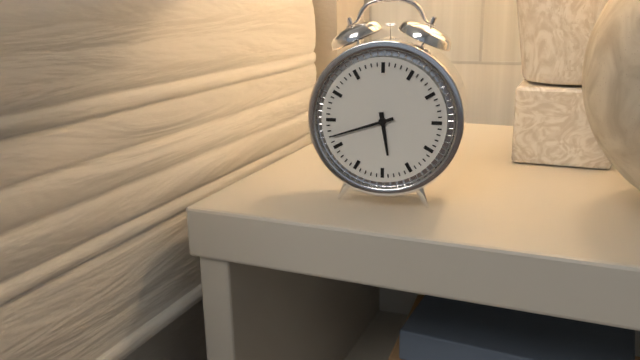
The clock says {"hour": 5, "minute": 42}
